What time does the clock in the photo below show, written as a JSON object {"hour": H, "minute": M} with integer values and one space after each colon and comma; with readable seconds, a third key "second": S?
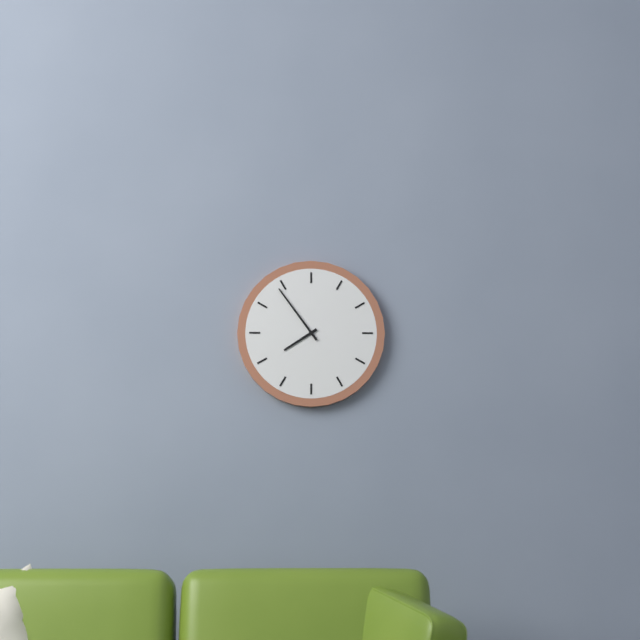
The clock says {"hour": 7, "minute": 54}
